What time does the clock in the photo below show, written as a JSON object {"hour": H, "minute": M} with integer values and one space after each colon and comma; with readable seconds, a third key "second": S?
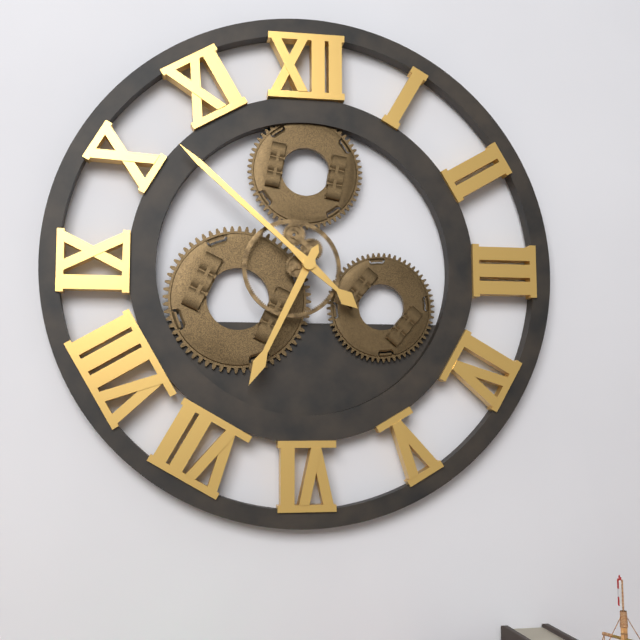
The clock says {"hour": 6, "minute": 52}
